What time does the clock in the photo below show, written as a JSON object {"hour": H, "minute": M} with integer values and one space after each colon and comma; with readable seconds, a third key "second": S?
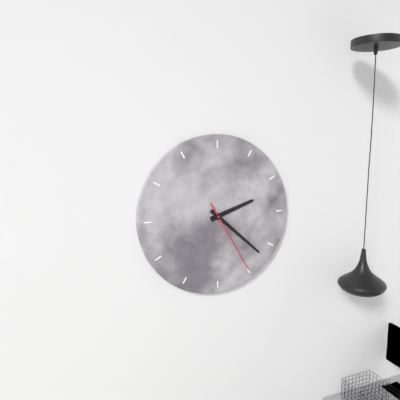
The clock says {"hour": 2, "minute": 22, "second": 25}
